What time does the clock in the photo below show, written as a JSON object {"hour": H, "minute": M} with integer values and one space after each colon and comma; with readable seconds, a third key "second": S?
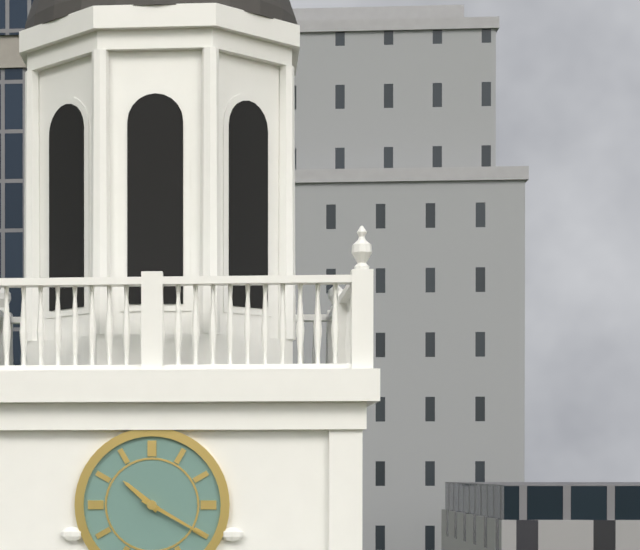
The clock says {"hour": 10, "minute": 20}
